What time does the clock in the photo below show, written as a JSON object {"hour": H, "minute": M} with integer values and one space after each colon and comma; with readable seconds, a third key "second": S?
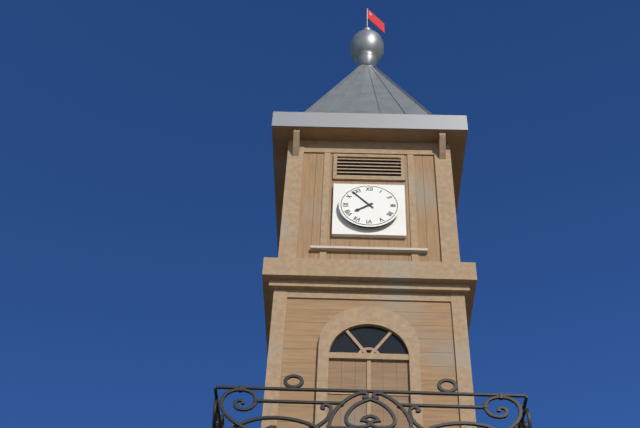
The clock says {"hour": 7, "minute": 53}
